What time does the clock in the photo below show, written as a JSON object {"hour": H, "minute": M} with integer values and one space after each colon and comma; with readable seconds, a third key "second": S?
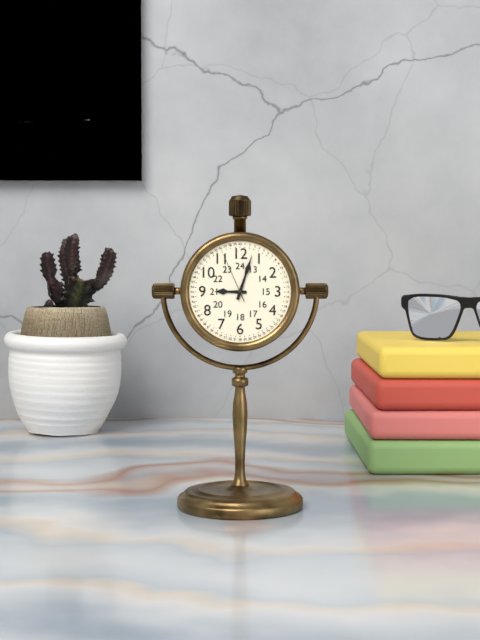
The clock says {"hour": 9, "minute": 3, "second": 56}
